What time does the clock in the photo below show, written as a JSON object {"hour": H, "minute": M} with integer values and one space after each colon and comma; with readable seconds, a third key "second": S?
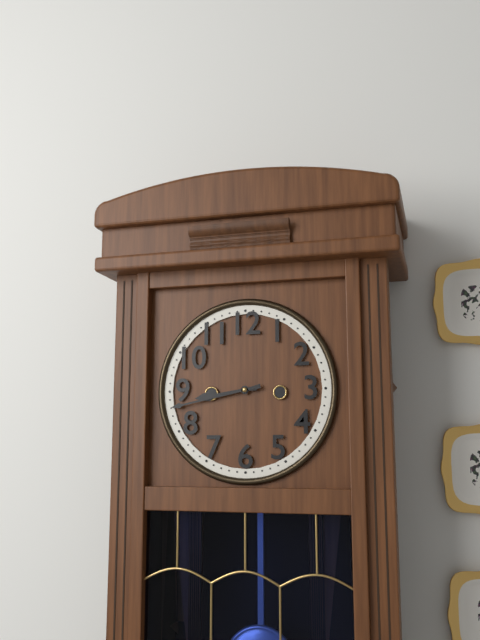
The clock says {"hour": 8, "minute": 43}
